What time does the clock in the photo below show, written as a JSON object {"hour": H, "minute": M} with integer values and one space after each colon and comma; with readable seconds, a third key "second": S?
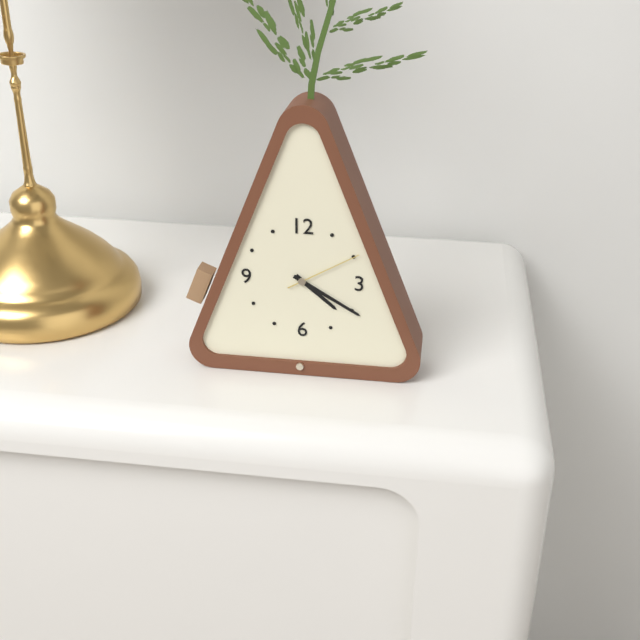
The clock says {"hour": 4, "minute": 20, "second": 10}
